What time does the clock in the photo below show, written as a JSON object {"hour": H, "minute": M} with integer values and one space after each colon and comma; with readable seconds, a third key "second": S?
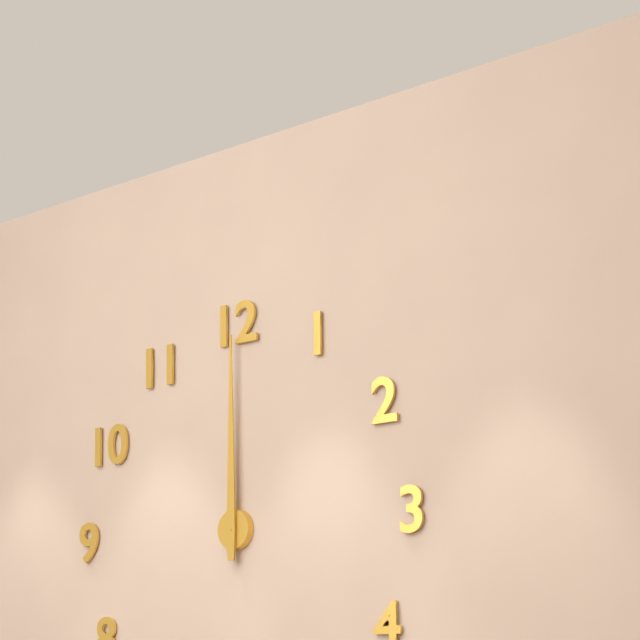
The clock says {"hour": 12, "minute": 0}
